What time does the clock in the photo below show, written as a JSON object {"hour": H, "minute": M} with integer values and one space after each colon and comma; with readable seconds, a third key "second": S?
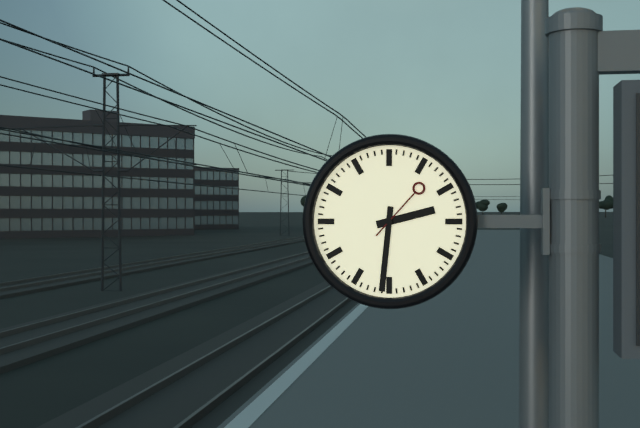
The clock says {"hour": 2, "minute": 31, "second": 7}
